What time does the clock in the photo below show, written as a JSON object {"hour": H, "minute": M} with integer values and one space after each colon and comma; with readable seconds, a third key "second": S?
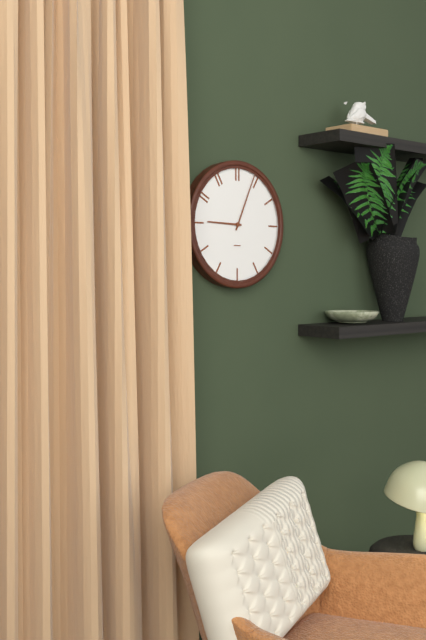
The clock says {"hour": 9, "minute": 4}
